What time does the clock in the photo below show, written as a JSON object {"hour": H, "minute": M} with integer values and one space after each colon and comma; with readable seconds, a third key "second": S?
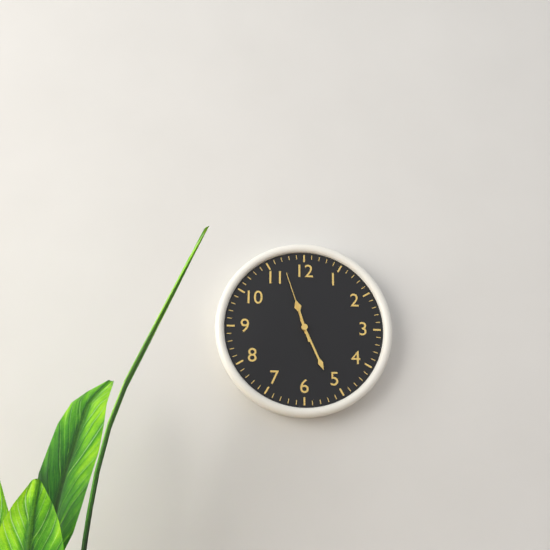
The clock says {"hour": 11, "minute": 26, "second": 57}
